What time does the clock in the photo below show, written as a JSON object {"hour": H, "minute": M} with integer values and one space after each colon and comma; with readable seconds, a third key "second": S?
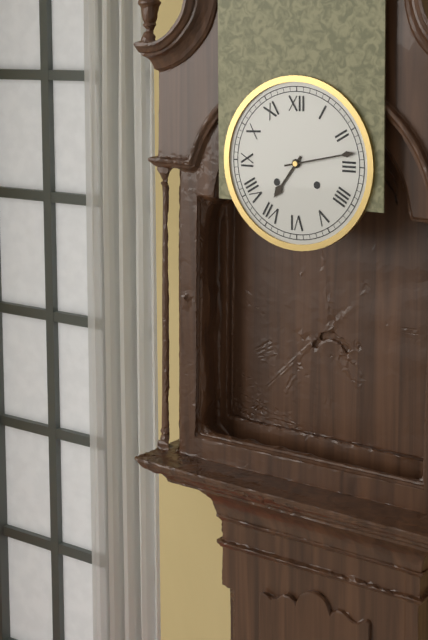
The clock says {"hour": 7, "minute": 13}
